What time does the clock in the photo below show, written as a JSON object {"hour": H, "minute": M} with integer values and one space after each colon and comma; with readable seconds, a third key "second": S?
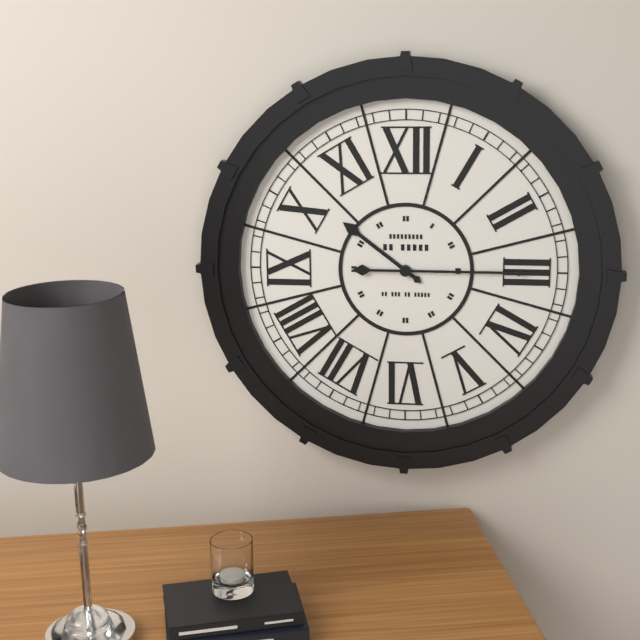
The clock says {"hour": 10, "minute": 15}
